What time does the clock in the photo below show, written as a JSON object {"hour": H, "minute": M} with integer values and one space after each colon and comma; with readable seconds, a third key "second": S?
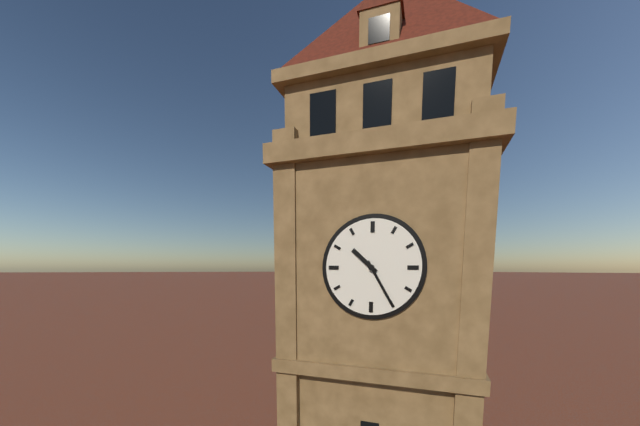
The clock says {"hour": 10, "minute": 25}
